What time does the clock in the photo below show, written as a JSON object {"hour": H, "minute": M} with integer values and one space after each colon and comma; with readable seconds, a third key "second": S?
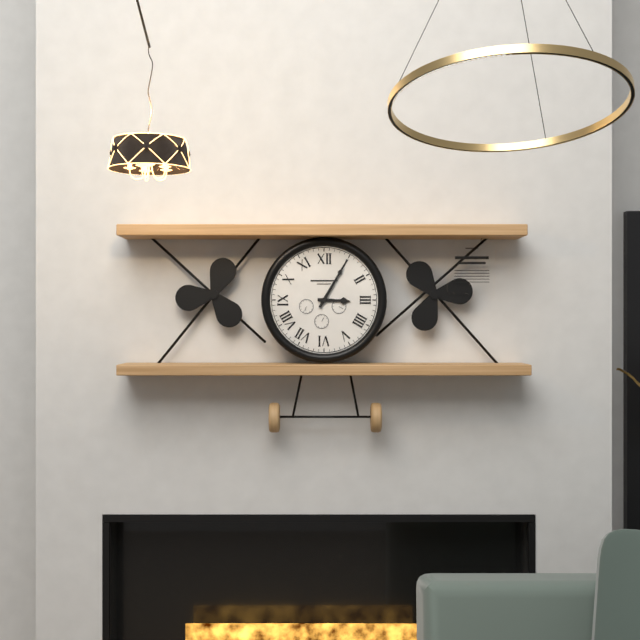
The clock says {"hour": 3, "minute": 5}
